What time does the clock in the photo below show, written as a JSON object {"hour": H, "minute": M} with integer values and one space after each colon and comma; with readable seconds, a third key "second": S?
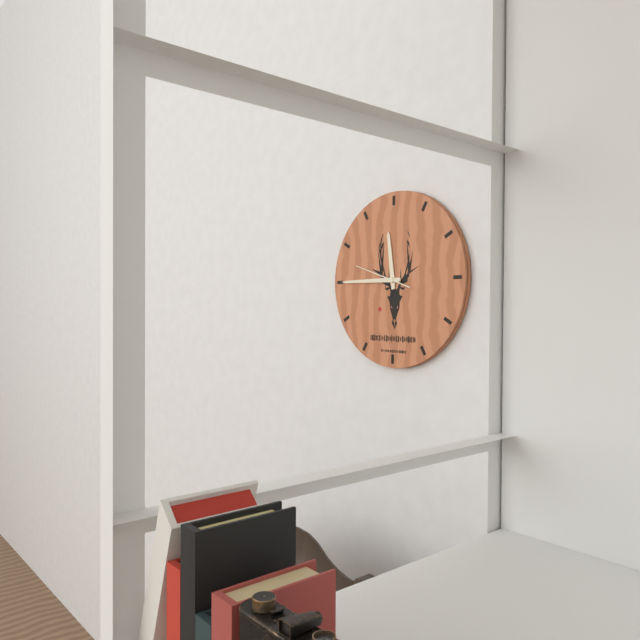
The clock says {"hour": 11, "minute": 45, "second": 48}
